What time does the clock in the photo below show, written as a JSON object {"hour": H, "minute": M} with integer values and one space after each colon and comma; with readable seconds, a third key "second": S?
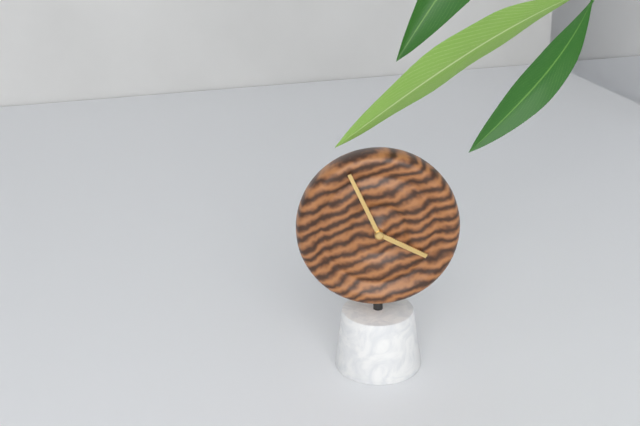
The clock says {"hour": 3, "minute": 56}
